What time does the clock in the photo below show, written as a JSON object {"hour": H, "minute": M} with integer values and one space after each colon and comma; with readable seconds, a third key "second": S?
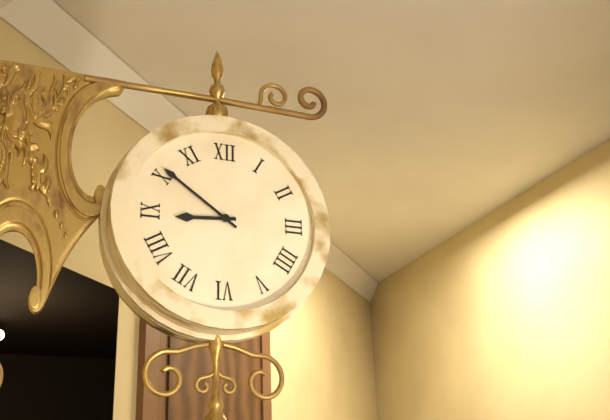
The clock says {"hour": 8, "minute": 51}
